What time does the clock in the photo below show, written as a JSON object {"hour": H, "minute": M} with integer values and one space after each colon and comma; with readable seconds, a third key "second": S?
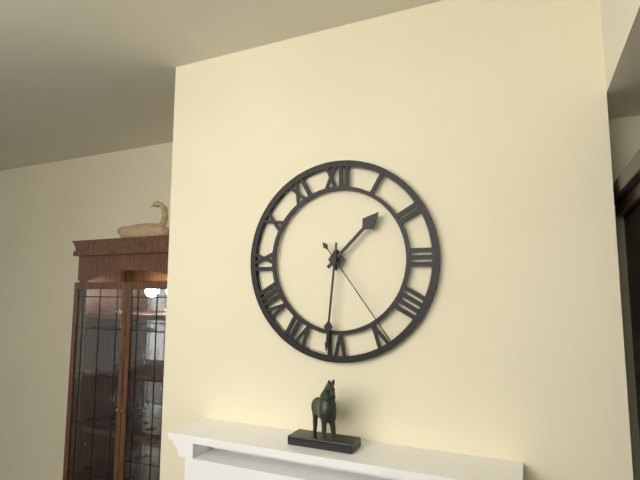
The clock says {"hour": 1, "minute": 31, "second": 24}
